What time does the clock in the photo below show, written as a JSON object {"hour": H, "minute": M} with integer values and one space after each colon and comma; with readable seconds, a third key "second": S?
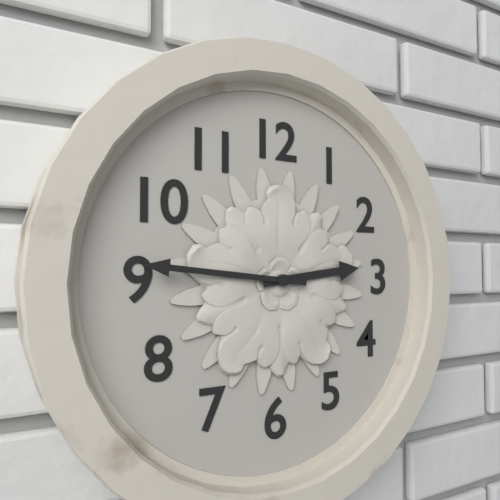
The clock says {"hour": 2, "minute": 46}
